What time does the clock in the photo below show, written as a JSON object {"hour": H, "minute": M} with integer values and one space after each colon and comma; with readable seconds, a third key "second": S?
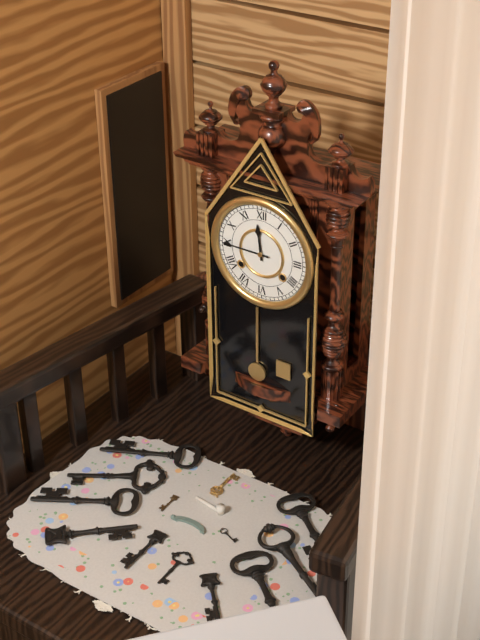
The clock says {"hour": 11, "minute": 45}
